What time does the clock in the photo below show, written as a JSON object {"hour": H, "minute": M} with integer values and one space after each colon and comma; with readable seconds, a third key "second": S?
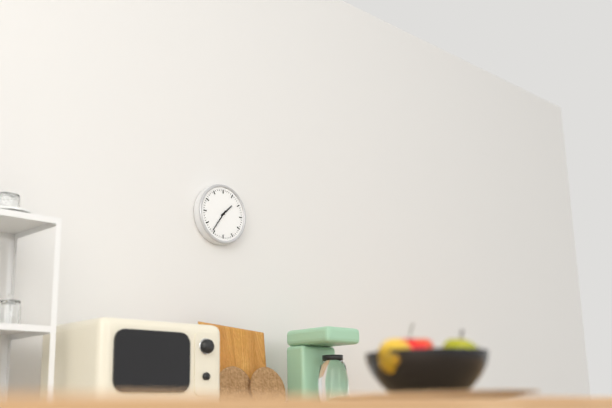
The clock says {"hour": 1, "minute": 36}
